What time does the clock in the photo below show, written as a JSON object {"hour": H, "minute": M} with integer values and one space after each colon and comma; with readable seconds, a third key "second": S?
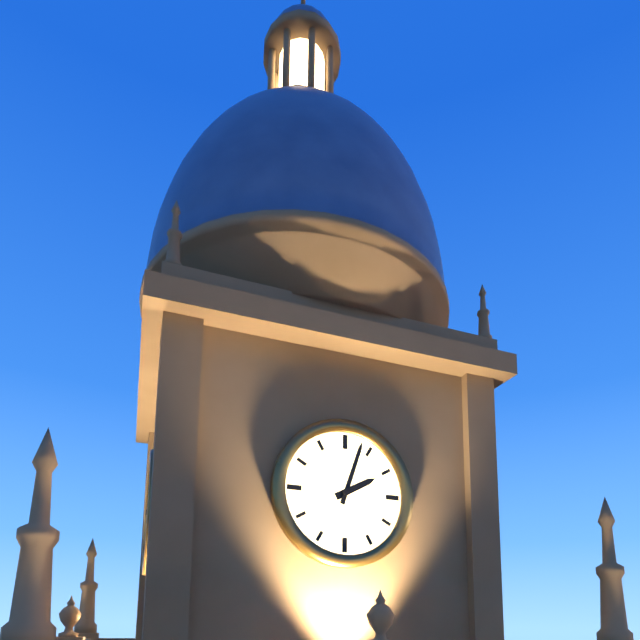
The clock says {"hour": 2, "minute": 3}
